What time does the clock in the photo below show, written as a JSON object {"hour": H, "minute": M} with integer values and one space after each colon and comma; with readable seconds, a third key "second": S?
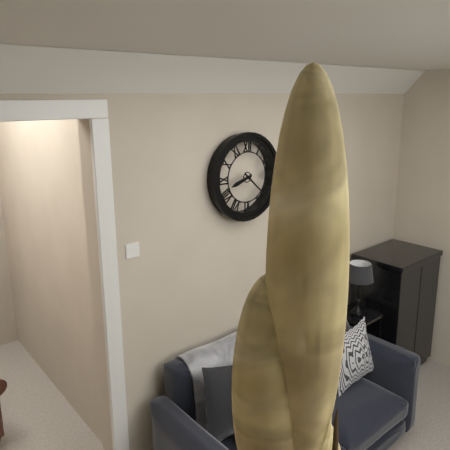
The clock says {"hour": 8, "minute": 22}
